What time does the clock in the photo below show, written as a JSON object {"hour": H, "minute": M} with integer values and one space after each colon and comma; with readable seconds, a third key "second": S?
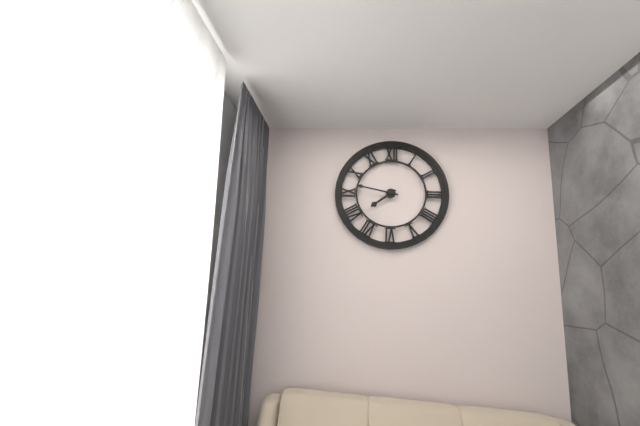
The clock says {"hour": 7, "minute": 47}
